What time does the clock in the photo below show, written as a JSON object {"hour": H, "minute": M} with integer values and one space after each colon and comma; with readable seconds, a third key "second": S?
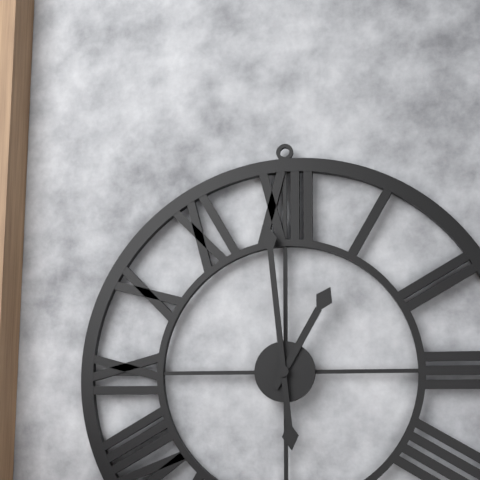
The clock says {"hour": 12, "minute": 59}
